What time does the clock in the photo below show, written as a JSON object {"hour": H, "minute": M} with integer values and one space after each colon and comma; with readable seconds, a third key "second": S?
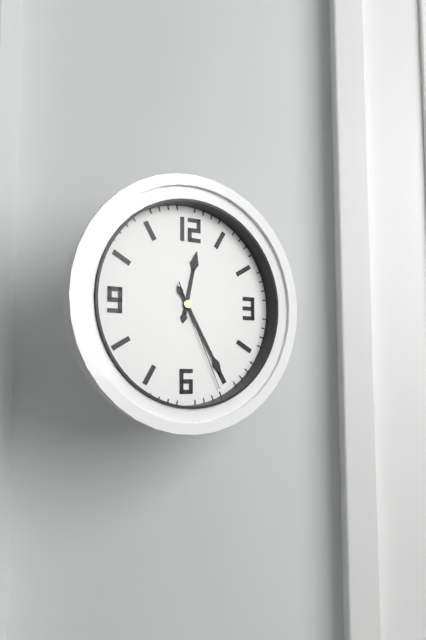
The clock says {"hour": 12, "minute": 25, "second": 26}
